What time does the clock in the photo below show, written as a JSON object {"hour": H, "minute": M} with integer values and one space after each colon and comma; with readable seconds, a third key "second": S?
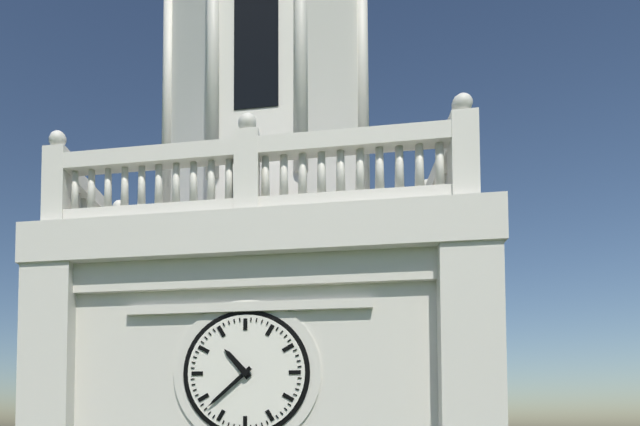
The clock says {"hour": 10, "minute": 38}
